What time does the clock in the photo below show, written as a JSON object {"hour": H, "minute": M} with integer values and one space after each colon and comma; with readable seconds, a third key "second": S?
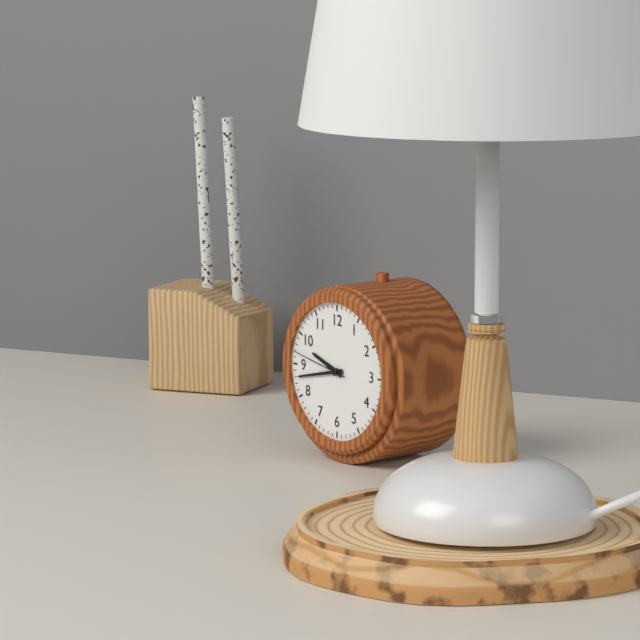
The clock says {"hour": 9, "minute": 43, "second": 47}
